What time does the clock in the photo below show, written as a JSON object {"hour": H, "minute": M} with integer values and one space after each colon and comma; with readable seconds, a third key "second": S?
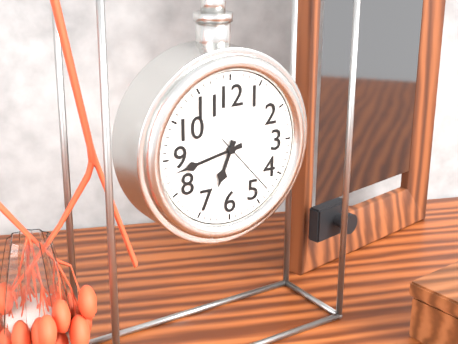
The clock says {"hour": 6, "minute": 43, "second": 23}
